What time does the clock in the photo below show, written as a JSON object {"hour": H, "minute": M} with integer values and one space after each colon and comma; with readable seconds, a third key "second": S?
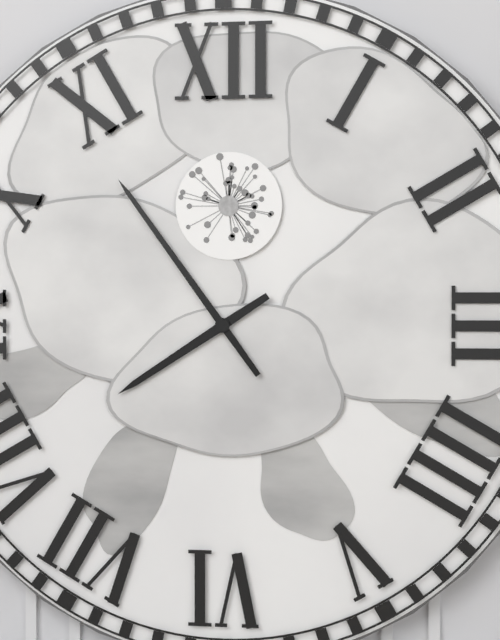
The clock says {"hour": 7, "minute": 54}
